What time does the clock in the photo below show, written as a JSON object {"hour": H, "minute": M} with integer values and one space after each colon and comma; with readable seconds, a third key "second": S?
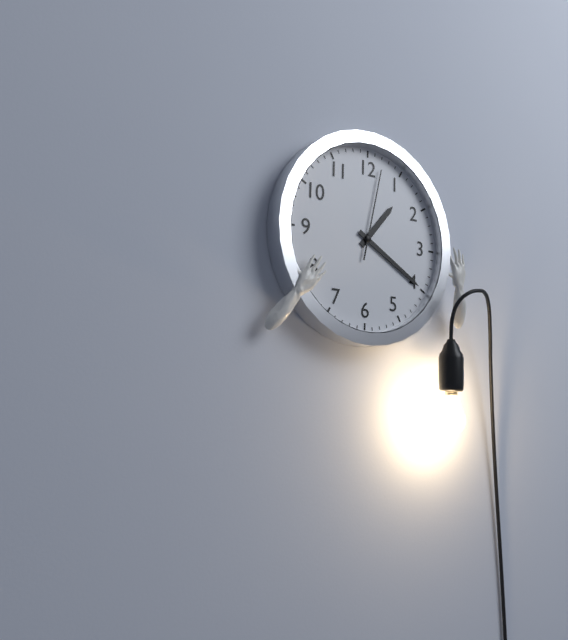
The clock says {"hour": 1, "minute": 20, "second": 2}
